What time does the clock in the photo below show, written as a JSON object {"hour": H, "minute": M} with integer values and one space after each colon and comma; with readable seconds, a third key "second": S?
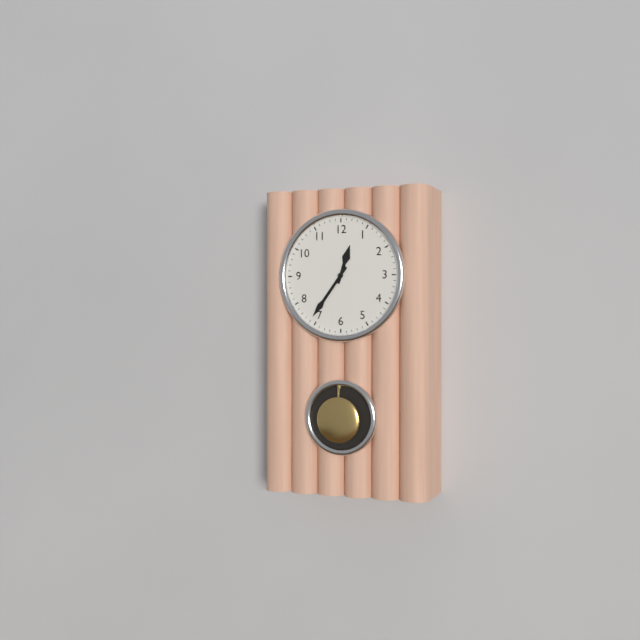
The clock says {"hour": 12, "minute": 36}
